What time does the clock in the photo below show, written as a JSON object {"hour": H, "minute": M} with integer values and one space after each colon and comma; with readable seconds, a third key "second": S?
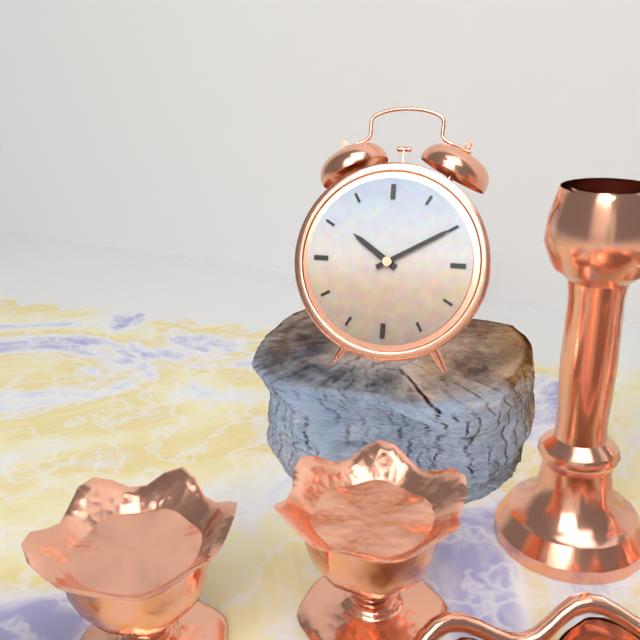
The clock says {"hour": 10, "minute": 10}
